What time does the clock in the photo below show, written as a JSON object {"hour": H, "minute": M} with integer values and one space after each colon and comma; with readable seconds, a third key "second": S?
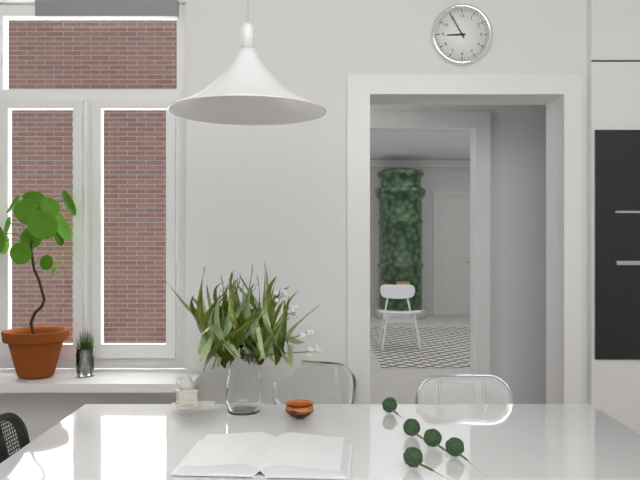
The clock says {"hour": 8, "minute": 55}
